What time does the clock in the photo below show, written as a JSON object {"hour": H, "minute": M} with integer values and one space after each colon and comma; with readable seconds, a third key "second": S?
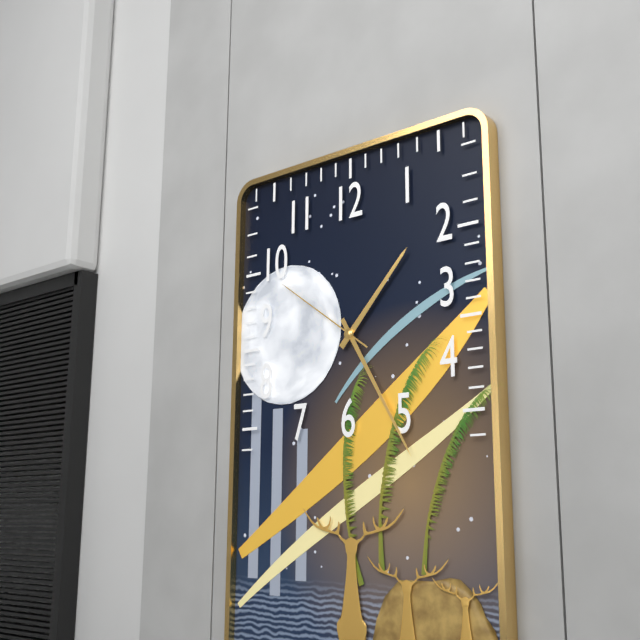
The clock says {"hour": 1, "minute": 25, "second": 51}
